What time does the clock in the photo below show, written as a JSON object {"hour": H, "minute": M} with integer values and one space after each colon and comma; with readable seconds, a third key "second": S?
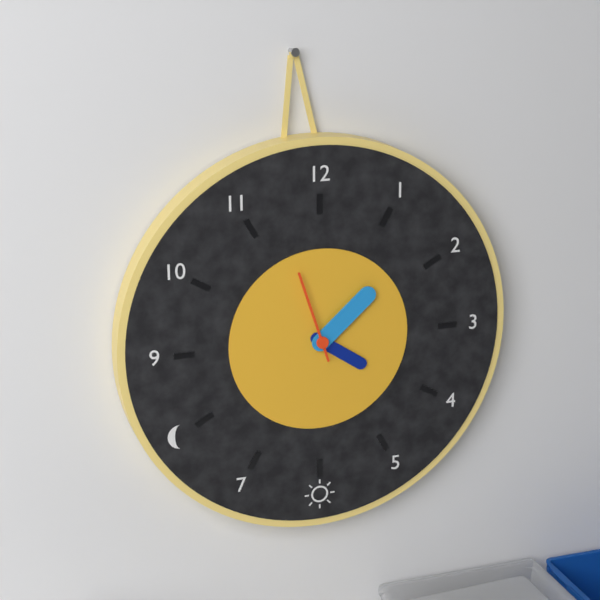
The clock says {"hour": 4, "minute": 8, "second": 57}
